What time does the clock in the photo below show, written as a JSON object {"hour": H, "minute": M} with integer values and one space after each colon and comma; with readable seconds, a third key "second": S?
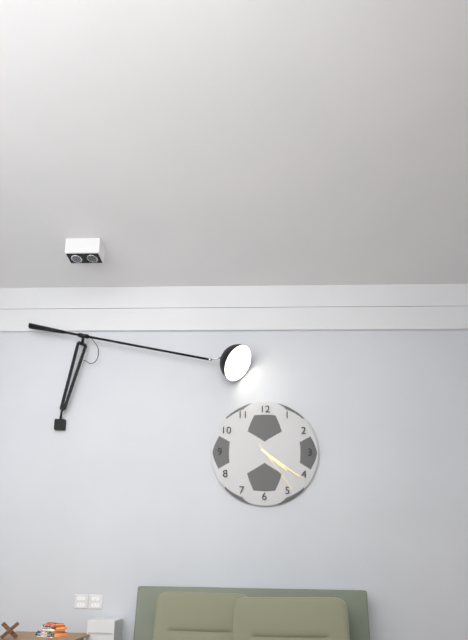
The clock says {"hour": 4, "minute": 21, "second": 24}
